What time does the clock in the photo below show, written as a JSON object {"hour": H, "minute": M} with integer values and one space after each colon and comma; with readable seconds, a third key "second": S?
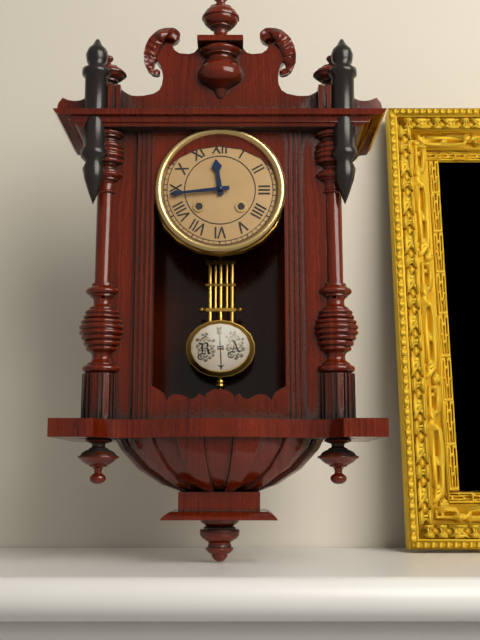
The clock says {"hour": 11, "minute": 44}
